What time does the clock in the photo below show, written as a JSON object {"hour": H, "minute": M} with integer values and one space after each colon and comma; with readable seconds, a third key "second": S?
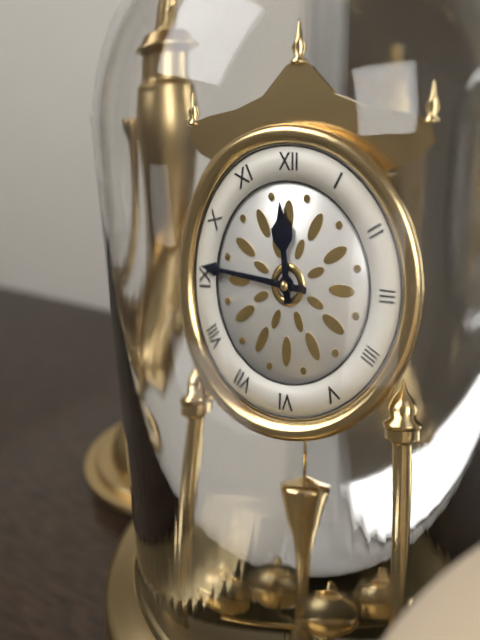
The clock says {"hour": 11, "minute": 46}
